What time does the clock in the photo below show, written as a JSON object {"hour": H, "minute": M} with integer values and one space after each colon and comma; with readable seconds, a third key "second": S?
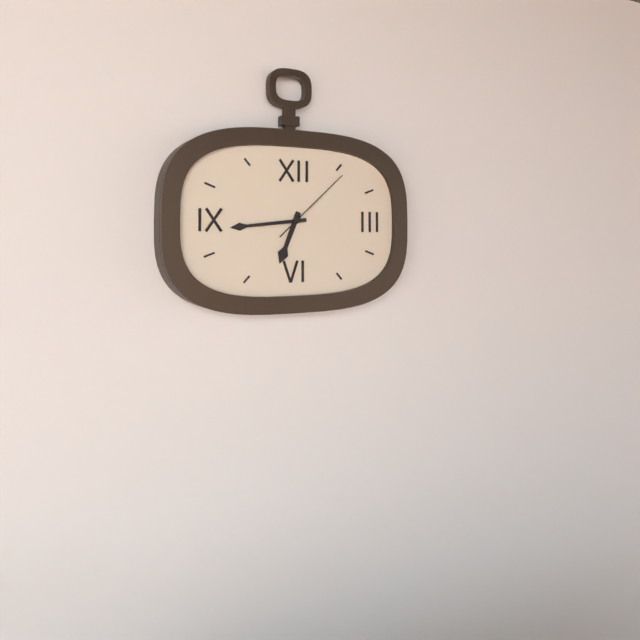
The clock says {"hour": 6, "minute": 44, "second": 8}
